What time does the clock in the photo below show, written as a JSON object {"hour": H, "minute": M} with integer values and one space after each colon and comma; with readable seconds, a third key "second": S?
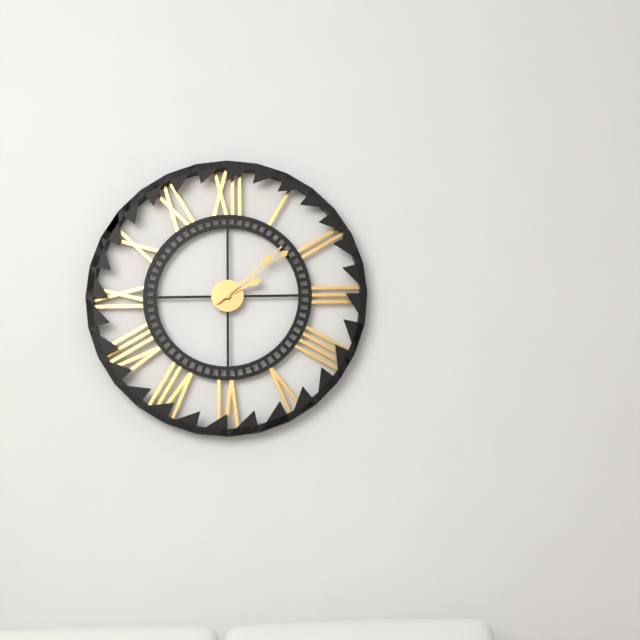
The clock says {"hour": 2, "minute": 8, "second": 9}
